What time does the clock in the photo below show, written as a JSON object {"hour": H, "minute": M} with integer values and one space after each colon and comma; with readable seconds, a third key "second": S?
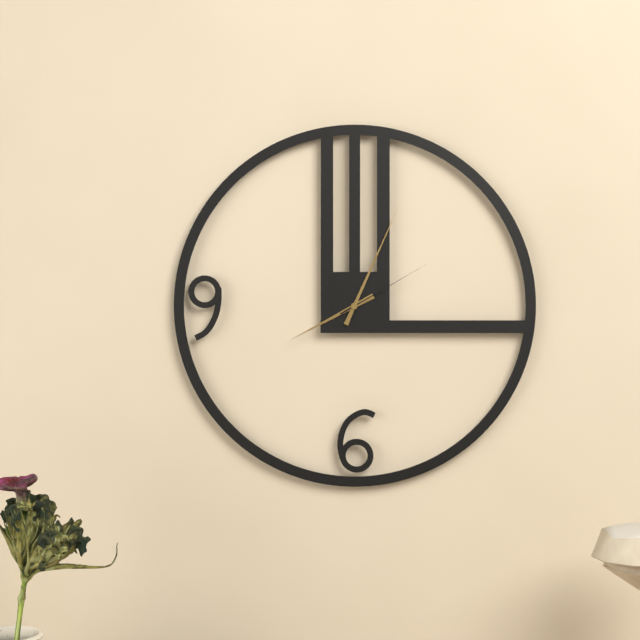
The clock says {"hour": 8, "minute": 4, "second": 10}
